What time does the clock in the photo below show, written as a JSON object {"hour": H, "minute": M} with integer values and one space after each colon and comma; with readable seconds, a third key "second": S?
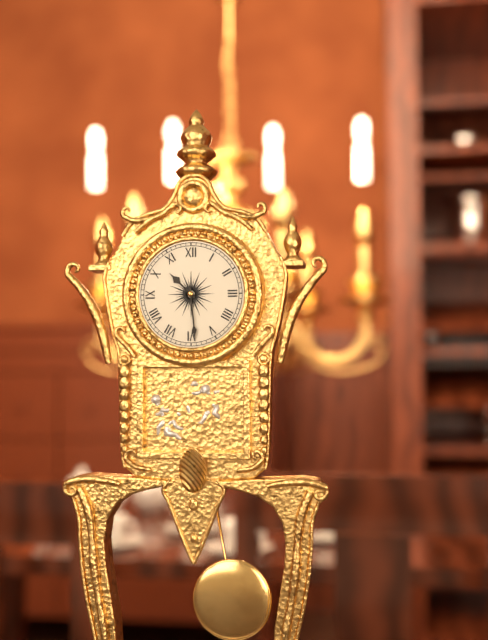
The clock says {"hour": 10, "minute": 29}
